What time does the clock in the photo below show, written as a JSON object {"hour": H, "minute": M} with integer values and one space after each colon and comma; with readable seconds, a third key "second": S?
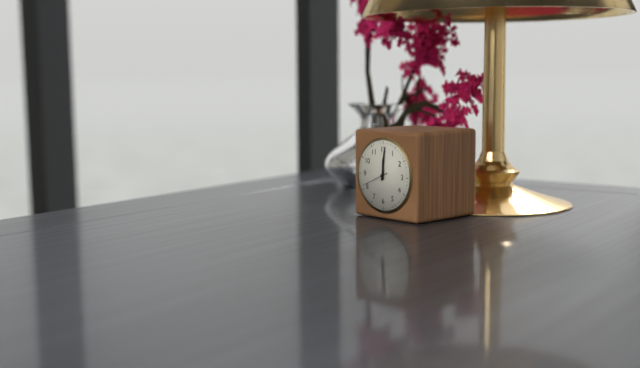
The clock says {"hour": 12, "minute": 1}
